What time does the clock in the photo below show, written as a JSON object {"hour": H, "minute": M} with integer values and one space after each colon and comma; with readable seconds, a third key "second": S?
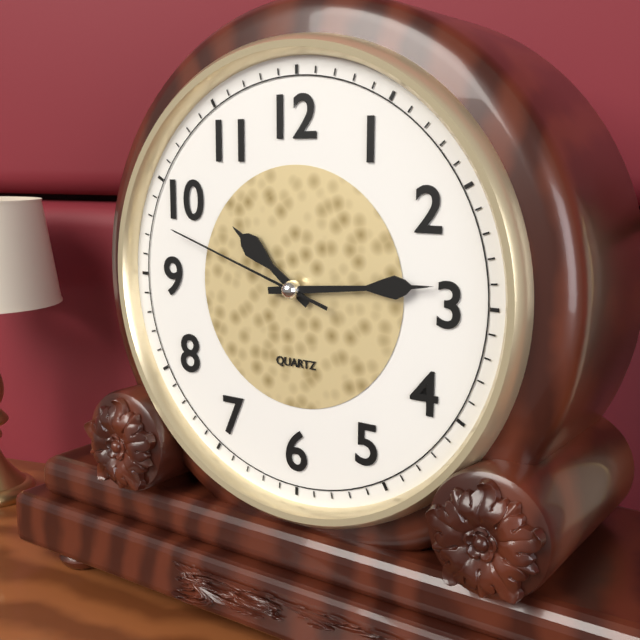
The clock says {"hour": 10, "minute": 14, "second": 48}
